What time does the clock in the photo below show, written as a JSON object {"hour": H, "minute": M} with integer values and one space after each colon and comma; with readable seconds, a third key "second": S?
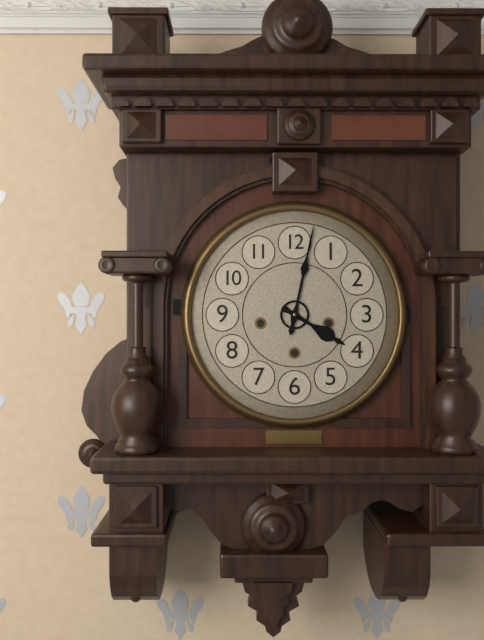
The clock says {"hour": 4, "minute": 2}
